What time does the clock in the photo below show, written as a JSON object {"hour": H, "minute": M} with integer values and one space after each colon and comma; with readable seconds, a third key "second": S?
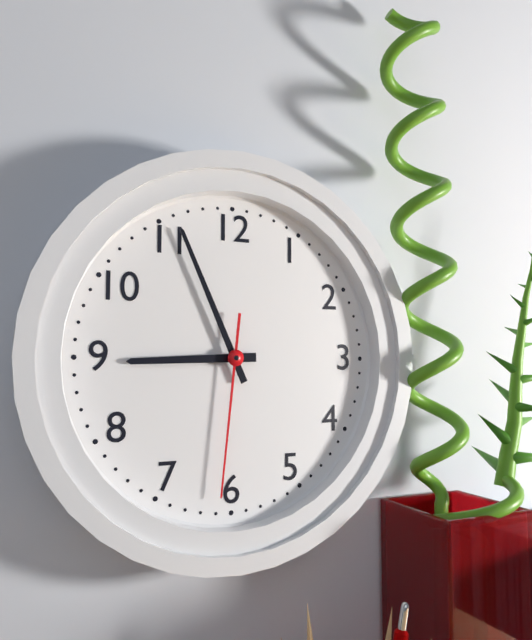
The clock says {"hour": 8, "minute": 56, "second": 31}
